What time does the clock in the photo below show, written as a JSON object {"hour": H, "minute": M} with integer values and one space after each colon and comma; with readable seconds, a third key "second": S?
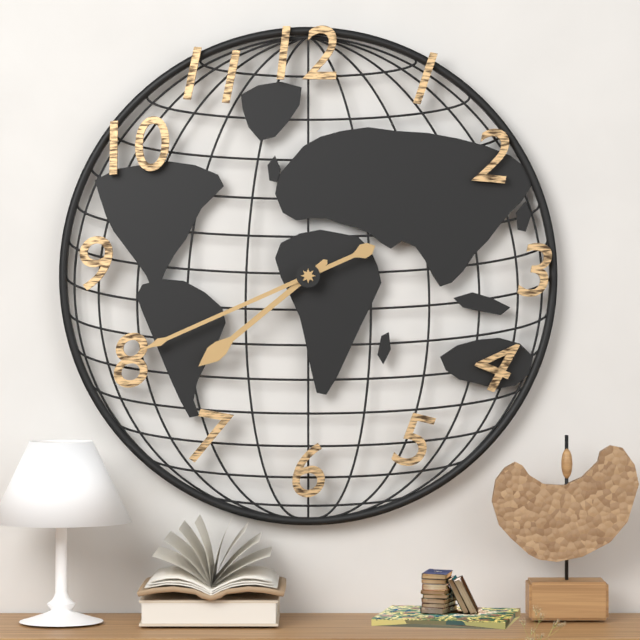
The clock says {"hour": 7, "minute": 41}
